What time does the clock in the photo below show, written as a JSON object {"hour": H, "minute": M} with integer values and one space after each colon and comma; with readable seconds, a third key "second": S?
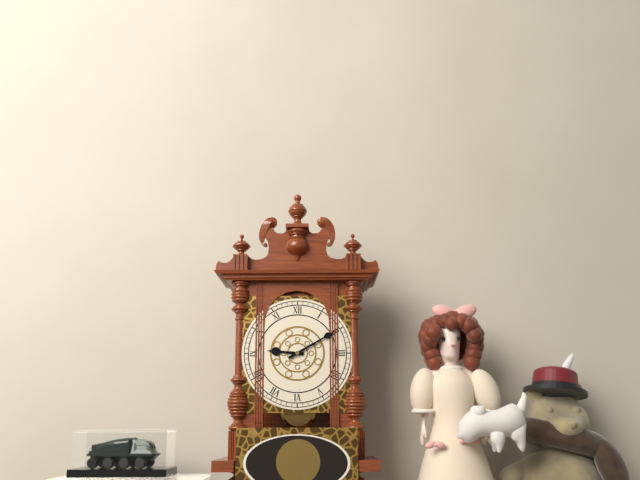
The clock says {"hour": 9, "minute": 10}
